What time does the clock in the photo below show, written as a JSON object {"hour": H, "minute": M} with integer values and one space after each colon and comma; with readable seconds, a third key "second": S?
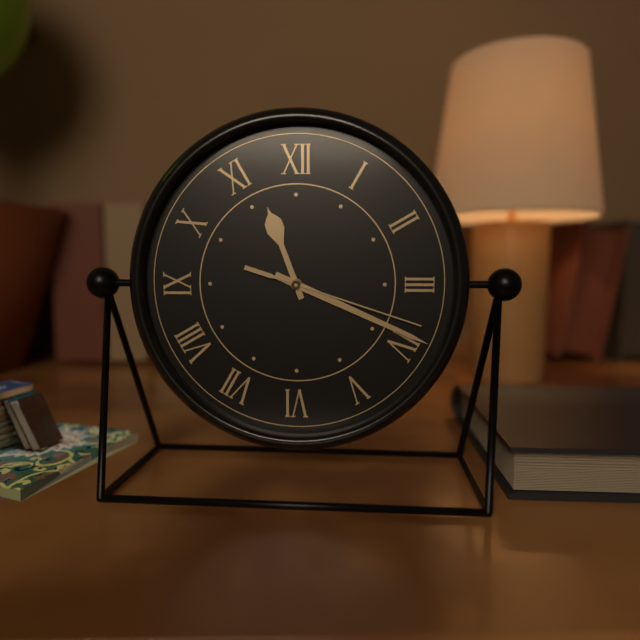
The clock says {"hour": 11, "minute": 19, "second": 18}
